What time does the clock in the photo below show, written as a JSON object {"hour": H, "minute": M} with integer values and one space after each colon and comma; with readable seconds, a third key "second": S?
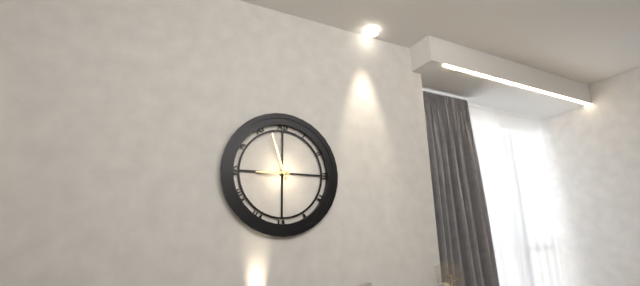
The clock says {"hour": 8, "minute": 57}
